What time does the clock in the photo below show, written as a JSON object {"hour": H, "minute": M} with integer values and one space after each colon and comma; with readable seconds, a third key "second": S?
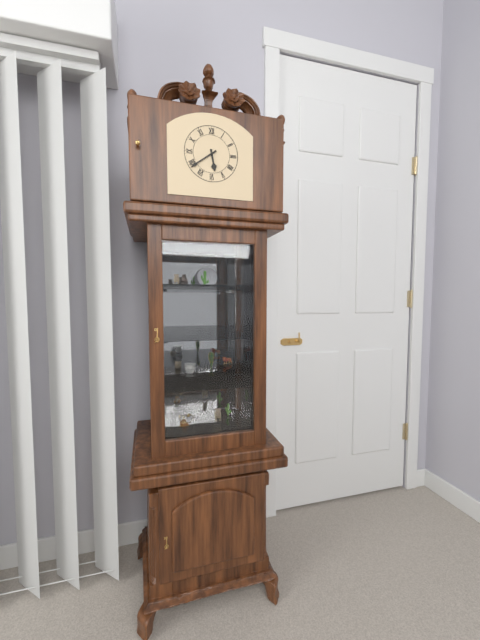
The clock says {"hour": 5, "minute": 39}
